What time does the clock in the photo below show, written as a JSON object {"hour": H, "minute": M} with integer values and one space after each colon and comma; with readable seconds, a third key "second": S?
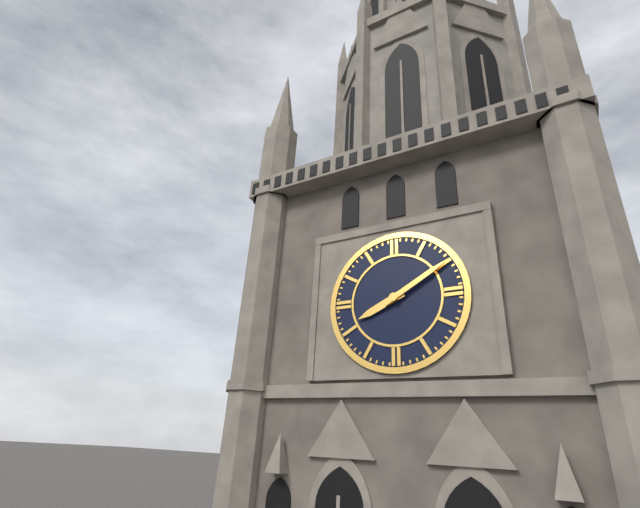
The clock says {"hour": 8, "minute": 10}
